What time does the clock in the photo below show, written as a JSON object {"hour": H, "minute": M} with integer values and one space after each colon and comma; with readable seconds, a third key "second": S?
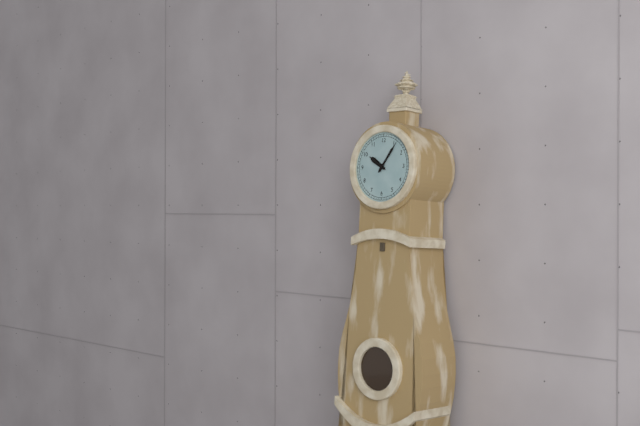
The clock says {"hour": 10, "minute": 6}
